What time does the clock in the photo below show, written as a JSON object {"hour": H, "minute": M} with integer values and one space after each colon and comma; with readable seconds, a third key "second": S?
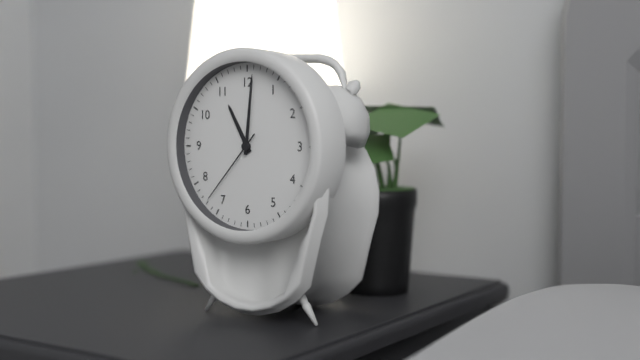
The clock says {"hour": 11, "minute": 1, "second": 37}
